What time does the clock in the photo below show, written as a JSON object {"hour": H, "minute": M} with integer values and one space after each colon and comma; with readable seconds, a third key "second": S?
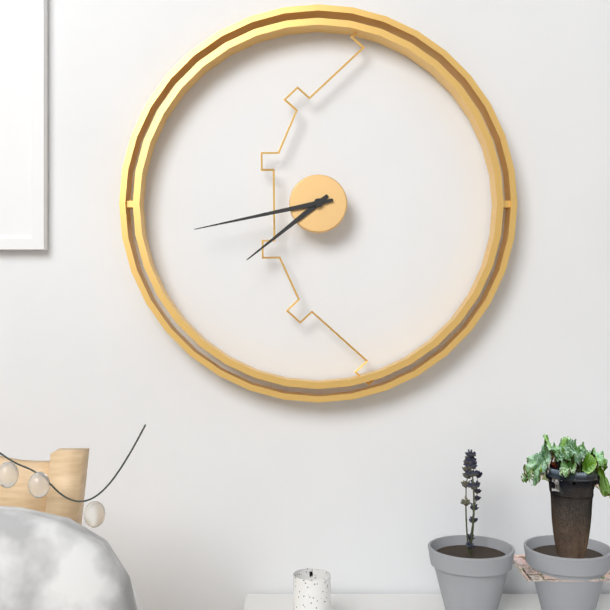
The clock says {"hour": 7, "minute": 43}
